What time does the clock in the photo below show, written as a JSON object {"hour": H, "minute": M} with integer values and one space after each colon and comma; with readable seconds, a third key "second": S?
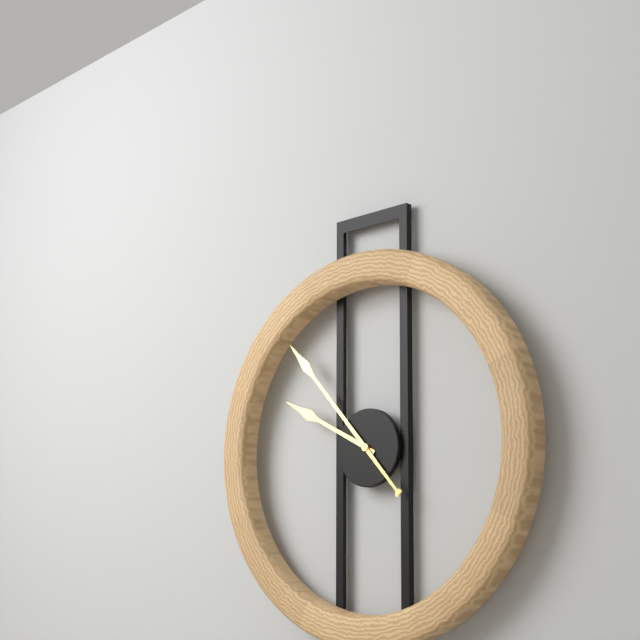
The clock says {"hour": 9, "minute": 53}
